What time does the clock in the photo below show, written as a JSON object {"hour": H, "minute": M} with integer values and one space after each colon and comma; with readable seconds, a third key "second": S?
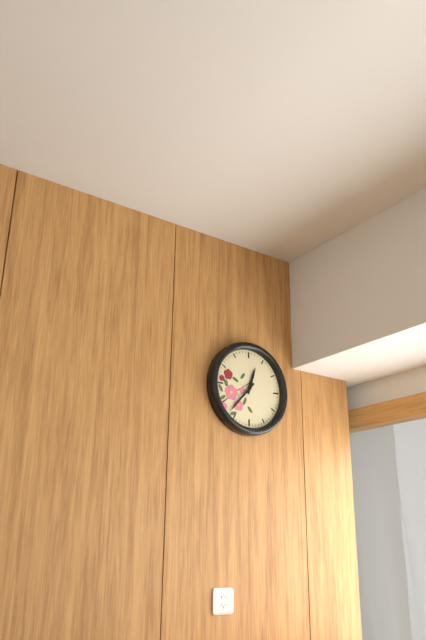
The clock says {"hour": 12, "minute": 37}
